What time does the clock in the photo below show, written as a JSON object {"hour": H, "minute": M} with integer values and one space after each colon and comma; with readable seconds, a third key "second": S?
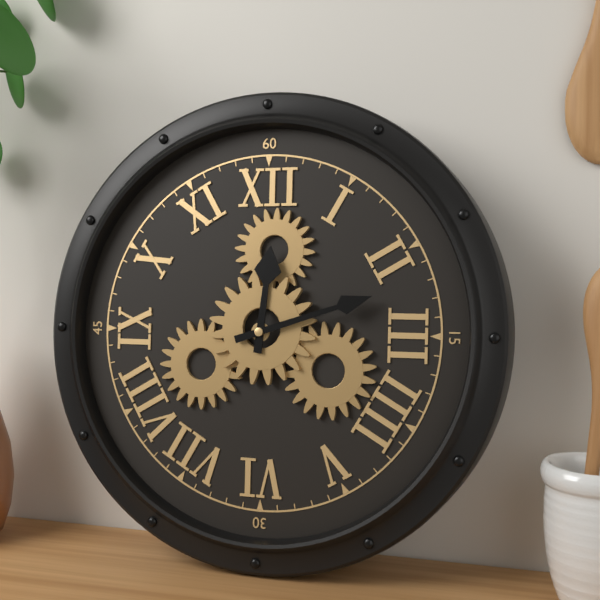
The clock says {"hour": 12, "minute": 12}
